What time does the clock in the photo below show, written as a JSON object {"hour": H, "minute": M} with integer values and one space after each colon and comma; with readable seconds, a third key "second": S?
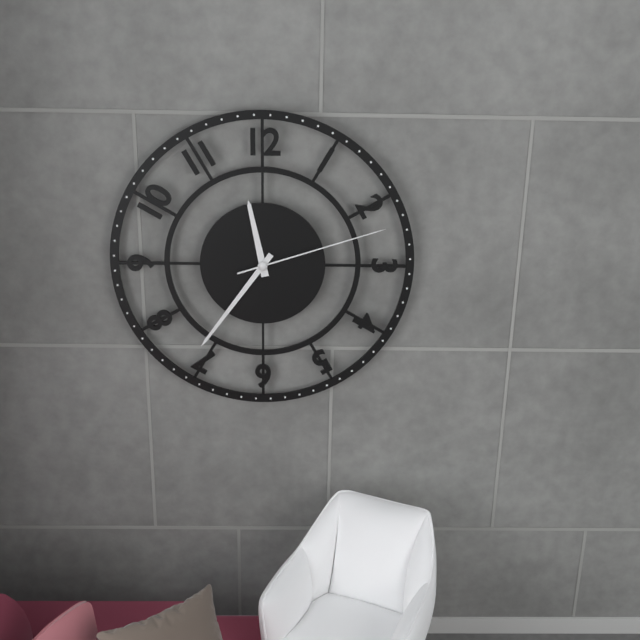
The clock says {"hour": 11, "minute": 36, "second": 12}
